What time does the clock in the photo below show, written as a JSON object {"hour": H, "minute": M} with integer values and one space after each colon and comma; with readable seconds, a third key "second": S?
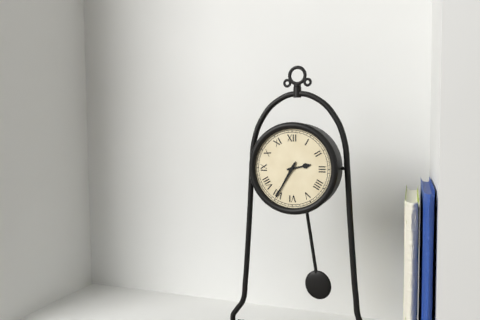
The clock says {"hour": 2, "minute": 35}
